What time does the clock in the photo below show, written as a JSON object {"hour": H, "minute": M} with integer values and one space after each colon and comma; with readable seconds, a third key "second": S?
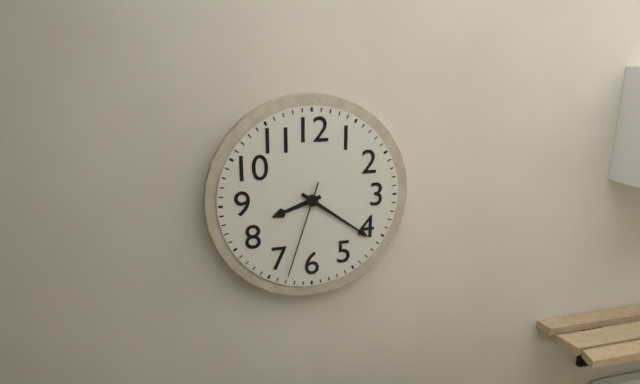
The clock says {"hour": 8, "minute": 21, "second": 33}
